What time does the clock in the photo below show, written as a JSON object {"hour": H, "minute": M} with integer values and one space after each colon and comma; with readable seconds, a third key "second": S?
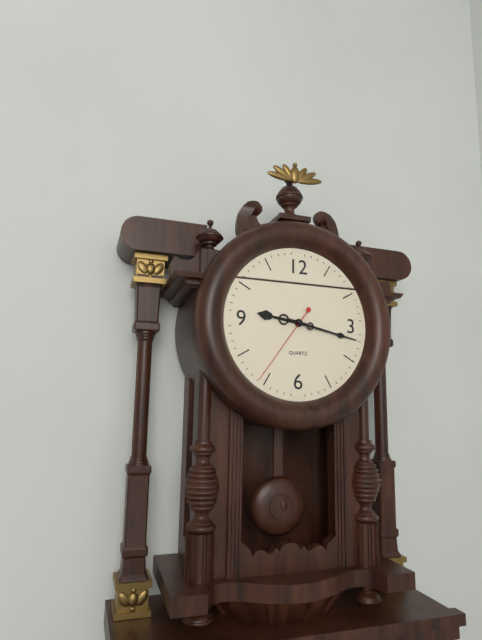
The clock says {"hour": 9, "minute": 17, "second": 36}
